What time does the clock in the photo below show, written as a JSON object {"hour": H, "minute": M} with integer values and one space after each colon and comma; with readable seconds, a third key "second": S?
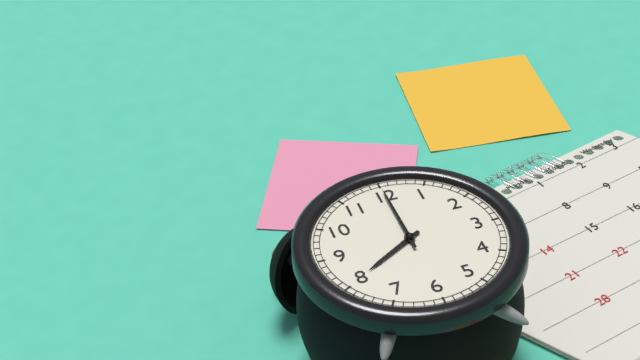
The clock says {"hour": 8, "minute": 0}
